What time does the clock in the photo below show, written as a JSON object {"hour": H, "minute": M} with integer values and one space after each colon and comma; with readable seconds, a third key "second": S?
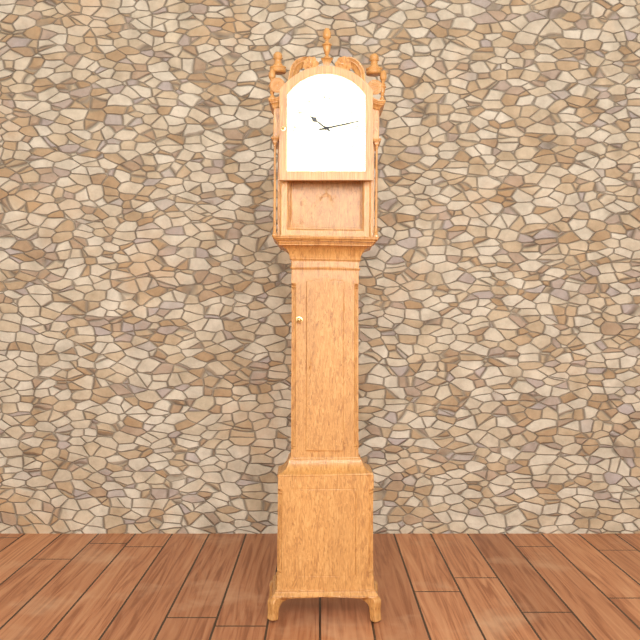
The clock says {"hour": 10, "minute": 13}
